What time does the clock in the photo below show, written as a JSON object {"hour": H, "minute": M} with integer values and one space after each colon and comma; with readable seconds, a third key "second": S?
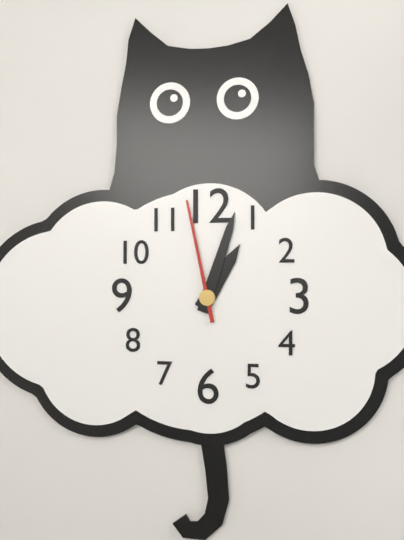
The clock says {"hour": 1, "minute": 3, "second": 58}
